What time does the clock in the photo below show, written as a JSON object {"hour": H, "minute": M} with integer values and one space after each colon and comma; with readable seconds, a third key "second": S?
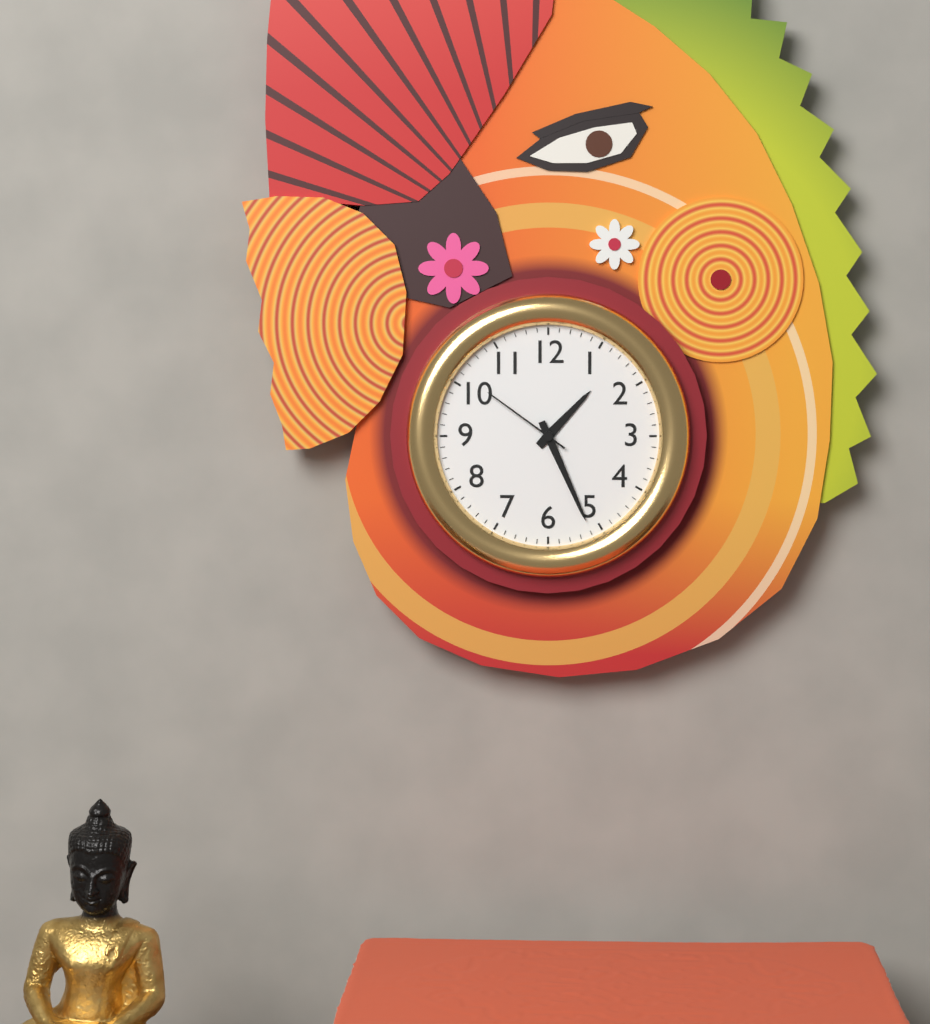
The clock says {"hour": 1, "minute": 26, "second": 51}
